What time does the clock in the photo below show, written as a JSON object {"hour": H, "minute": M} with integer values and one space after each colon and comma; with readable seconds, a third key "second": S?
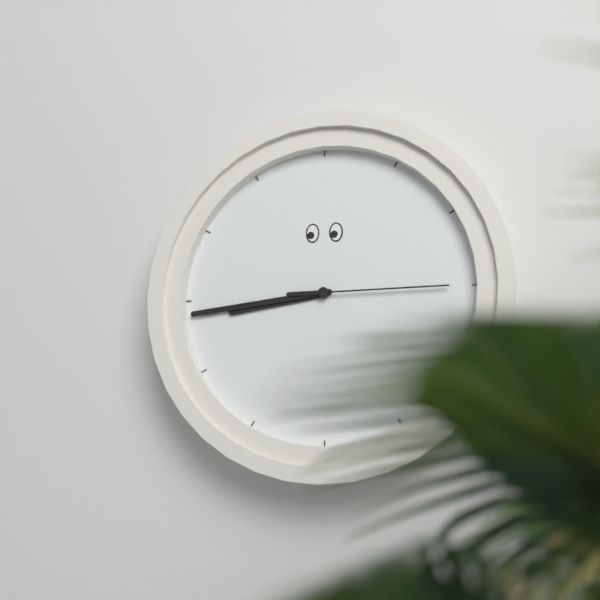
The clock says {"hour": 8, "minute": 44, "second": 15}
